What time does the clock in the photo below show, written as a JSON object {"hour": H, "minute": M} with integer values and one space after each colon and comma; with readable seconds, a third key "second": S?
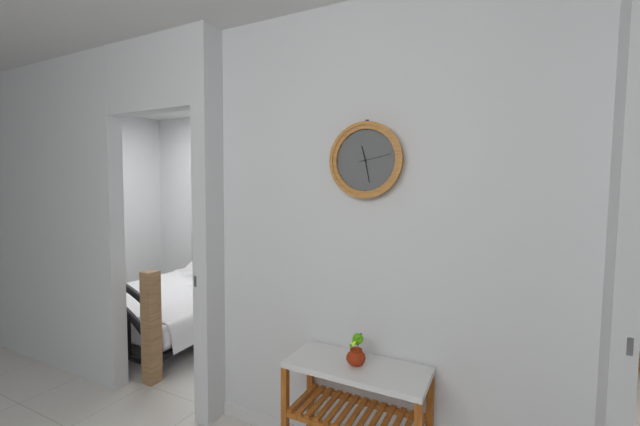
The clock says {"hour": 11, "minute": 28}
